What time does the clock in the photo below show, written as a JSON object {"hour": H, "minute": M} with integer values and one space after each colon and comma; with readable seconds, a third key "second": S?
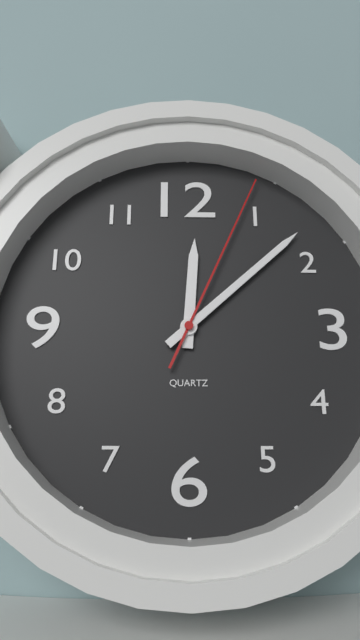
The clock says {"hour": 12, "minute": 8, "second": 4}
